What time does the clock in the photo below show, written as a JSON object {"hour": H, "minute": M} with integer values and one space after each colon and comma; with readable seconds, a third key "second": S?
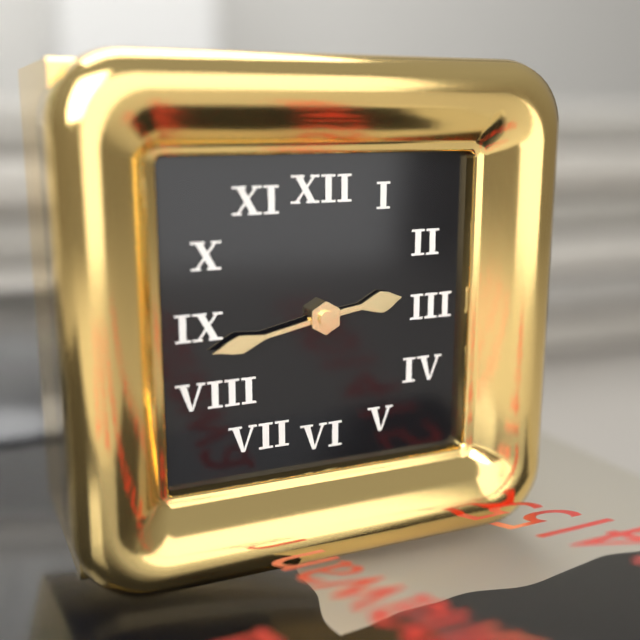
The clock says {"hour": 2, "minute": 43}
